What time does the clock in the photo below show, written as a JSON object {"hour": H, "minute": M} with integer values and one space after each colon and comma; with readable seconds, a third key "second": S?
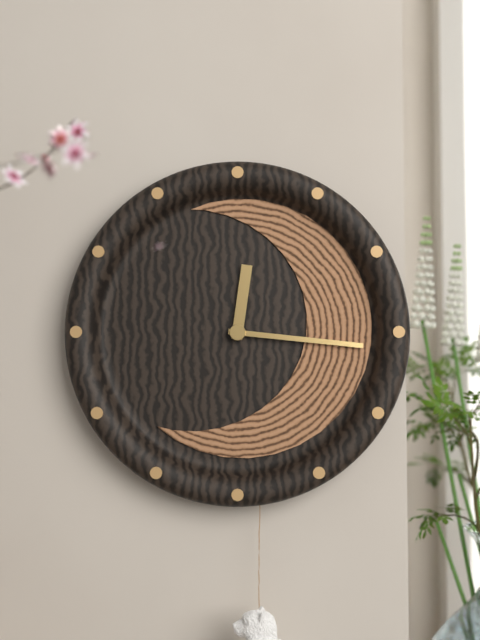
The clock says {"hour": 12, "minute": 16}
